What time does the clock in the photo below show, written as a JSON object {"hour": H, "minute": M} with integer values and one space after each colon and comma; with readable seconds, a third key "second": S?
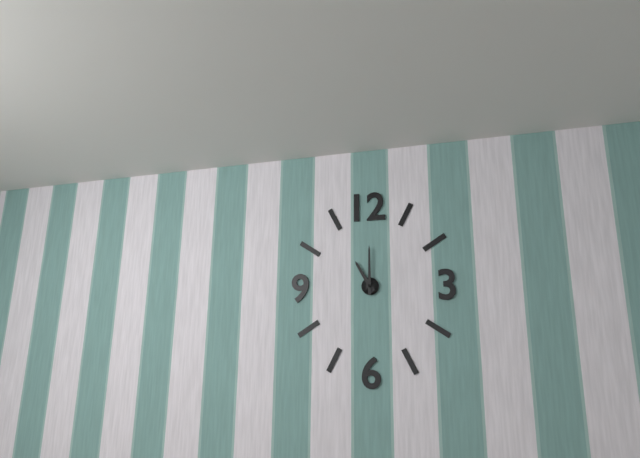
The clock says {"hour": 11, "minute": 0}
